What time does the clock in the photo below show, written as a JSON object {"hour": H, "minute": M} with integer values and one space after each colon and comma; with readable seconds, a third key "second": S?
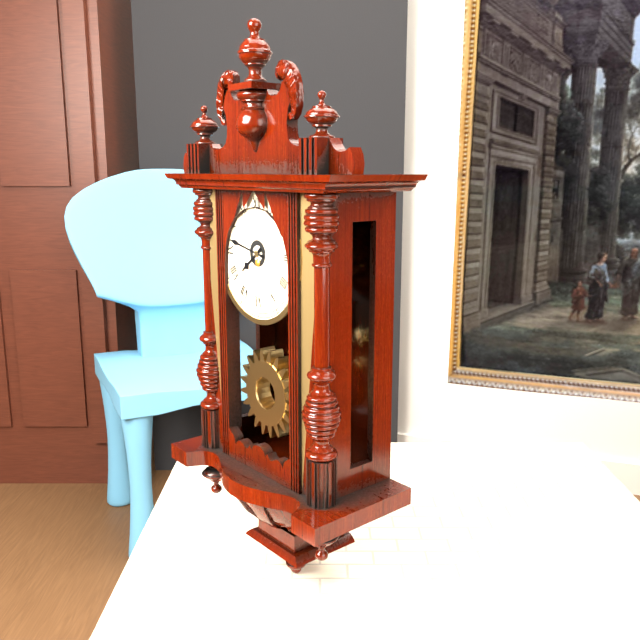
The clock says {"hour": 7, "minute": 47}
